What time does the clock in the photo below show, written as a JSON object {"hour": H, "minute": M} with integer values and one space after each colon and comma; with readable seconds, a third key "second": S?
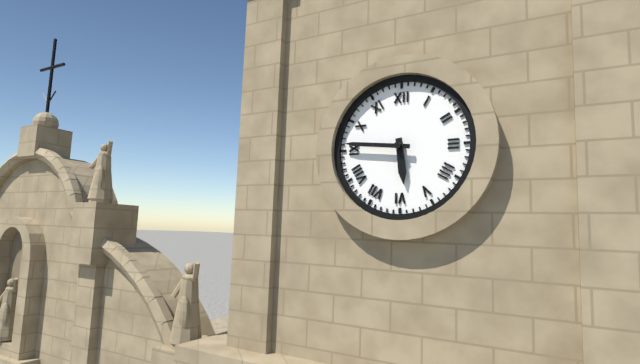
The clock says {"hour": 5, "minute": 46}
